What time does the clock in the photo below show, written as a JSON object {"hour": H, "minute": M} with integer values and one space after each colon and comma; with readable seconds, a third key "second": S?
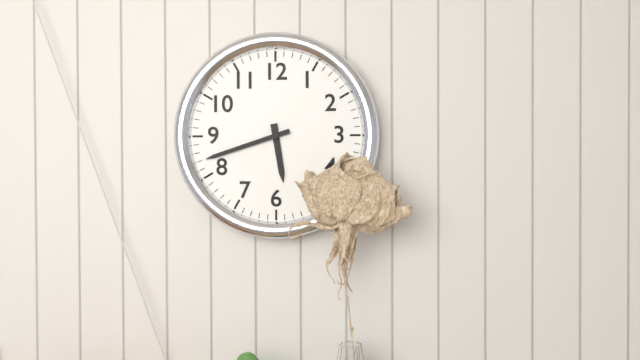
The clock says {"hour": 5, "minute": 42}
